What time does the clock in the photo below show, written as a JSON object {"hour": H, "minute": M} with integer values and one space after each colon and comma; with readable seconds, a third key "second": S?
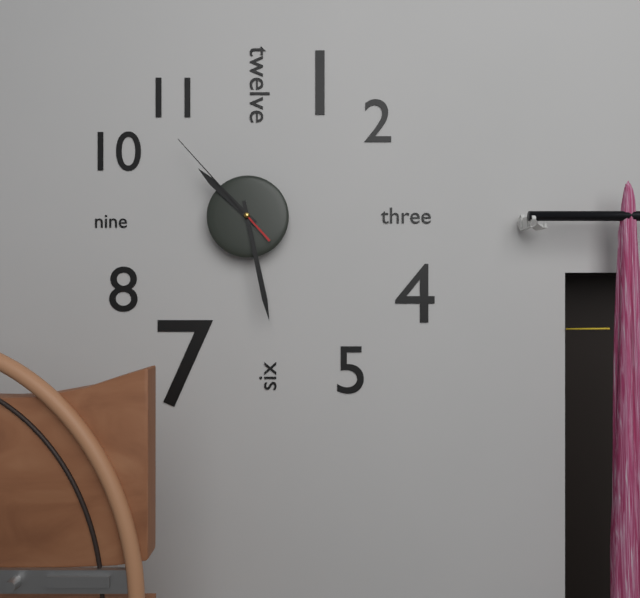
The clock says {"hour": 10, "minute": 28, "second": 53}
